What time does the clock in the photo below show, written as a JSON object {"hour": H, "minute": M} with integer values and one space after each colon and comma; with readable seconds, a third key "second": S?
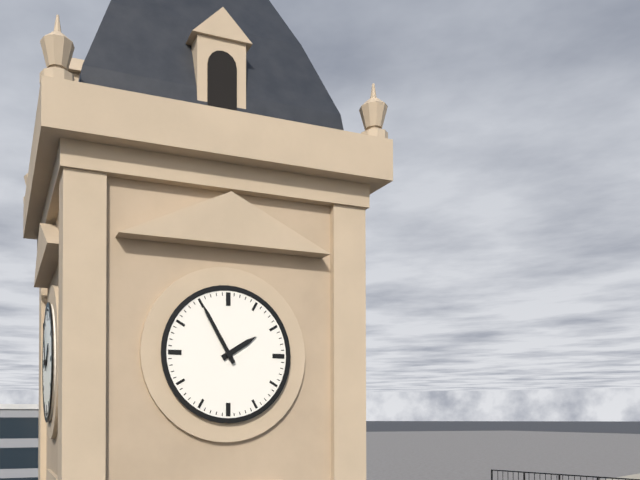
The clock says {"hour": 1, "minute": 55}
